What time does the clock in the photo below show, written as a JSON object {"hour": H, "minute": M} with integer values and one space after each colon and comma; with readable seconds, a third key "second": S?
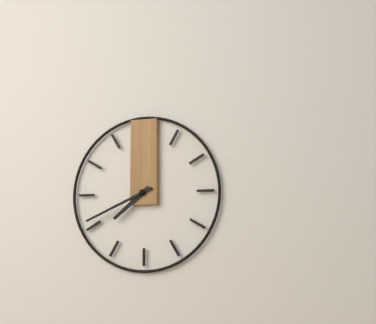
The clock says {"hour": 7, "minute": 41}
